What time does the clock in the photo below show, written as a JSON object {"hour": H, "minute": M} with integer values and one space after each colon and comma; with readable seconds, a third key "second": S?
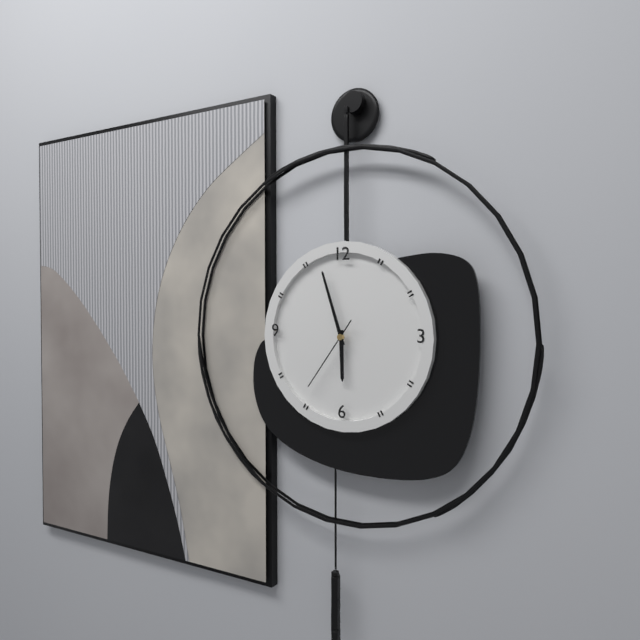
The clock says {"hour": 5, "minute": 57, "second": 36}
